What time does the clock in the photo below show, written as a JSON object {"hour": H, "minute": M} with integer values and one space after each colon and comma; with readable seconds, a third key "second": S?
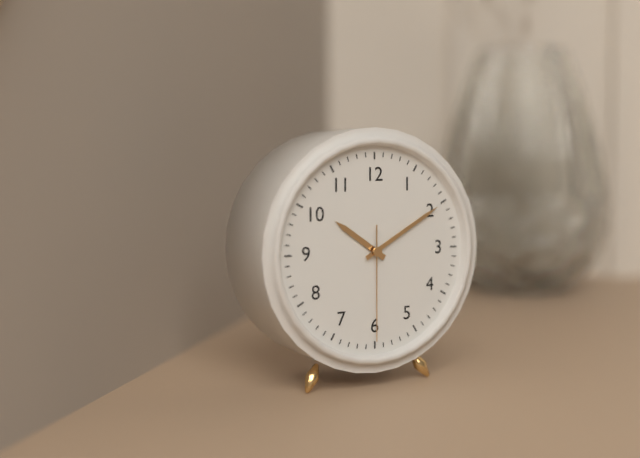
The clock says {"hour": 10, "minute": 10, "second": 30}
